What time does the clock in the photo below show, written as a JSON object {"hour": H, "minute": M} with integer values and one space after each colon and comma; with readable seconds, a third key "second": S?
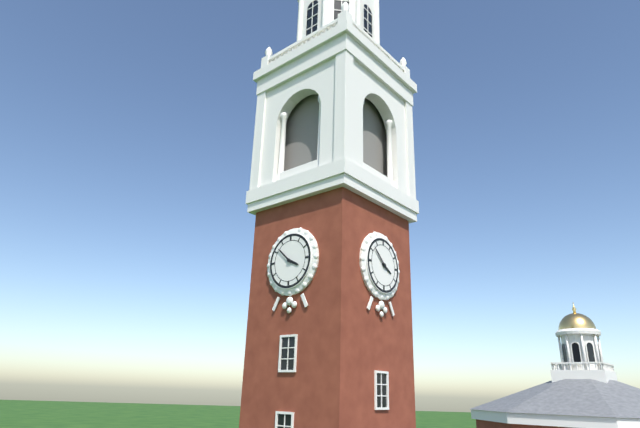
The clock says {"hour": 3, "minute": 52}
